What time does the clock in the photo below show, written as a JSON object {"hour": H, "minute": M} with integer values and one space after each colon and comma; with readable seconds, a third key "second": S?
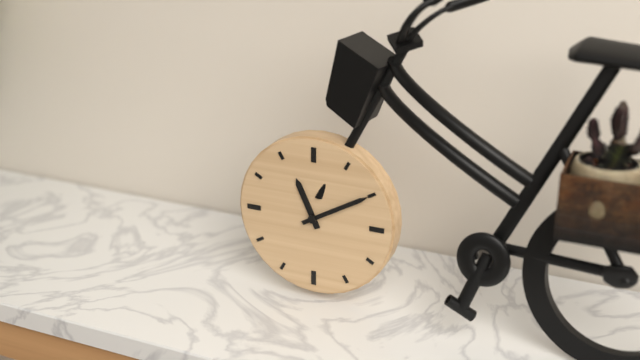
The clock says {"hour": 11, "minute": 10}
